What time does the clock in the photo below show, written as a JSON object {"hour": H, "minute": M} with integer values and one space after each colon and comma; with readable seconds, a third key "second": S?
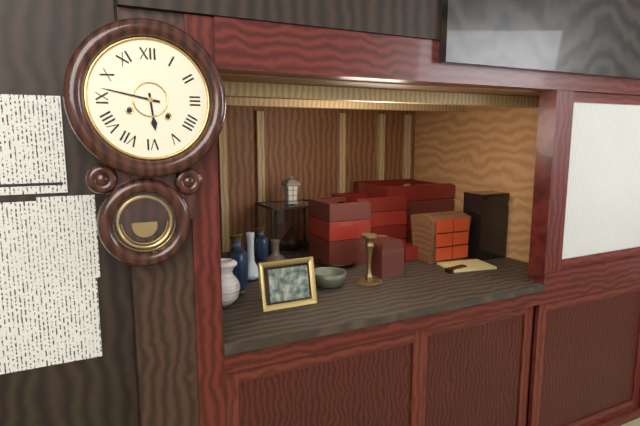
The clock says {"hour": 5, "minute": 47}
